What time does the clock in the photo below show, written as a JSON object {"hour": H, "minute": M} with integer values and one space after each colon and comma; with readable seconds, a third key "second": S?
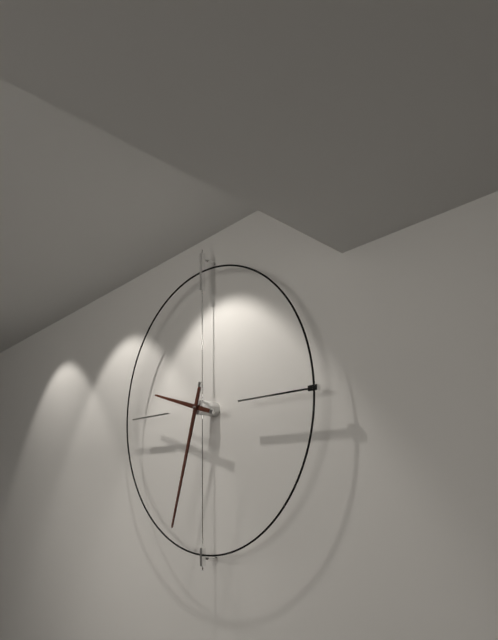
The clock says {"hour": 9, "minute": 33}
